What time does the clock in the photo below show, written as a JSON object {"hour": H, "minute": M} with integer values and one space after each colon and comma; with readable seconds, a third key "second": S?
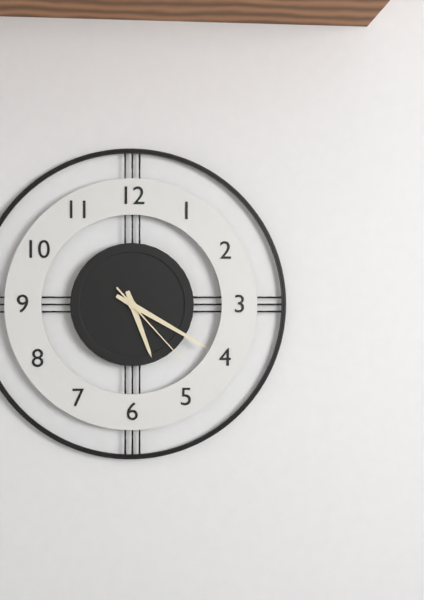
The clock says {"hour": 5, "minute": 20, "second": 23}
